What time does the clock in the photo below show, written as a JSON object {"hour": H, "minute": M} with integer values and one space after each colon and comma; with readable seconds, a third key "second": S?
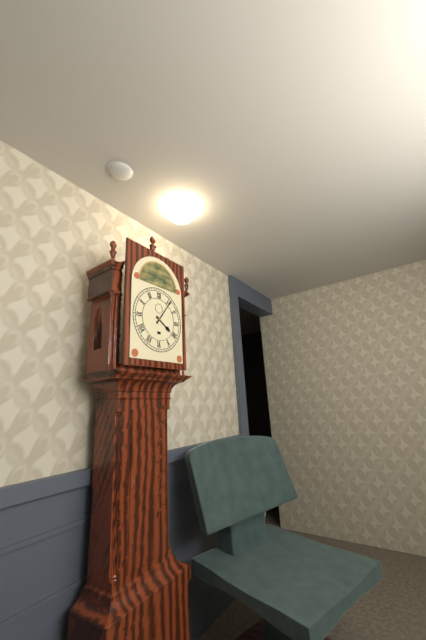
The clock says {"hour": 4, "minute": 6}
